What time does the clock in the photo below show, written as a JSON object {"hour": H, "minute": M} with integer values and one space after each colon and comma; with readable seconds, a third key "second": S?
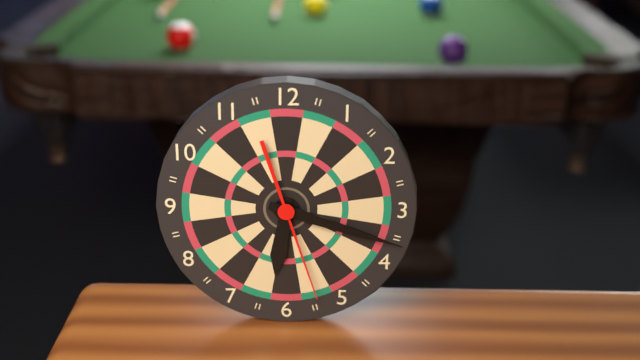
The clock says {"hour": 6, "minute": 18, "second": 27}
